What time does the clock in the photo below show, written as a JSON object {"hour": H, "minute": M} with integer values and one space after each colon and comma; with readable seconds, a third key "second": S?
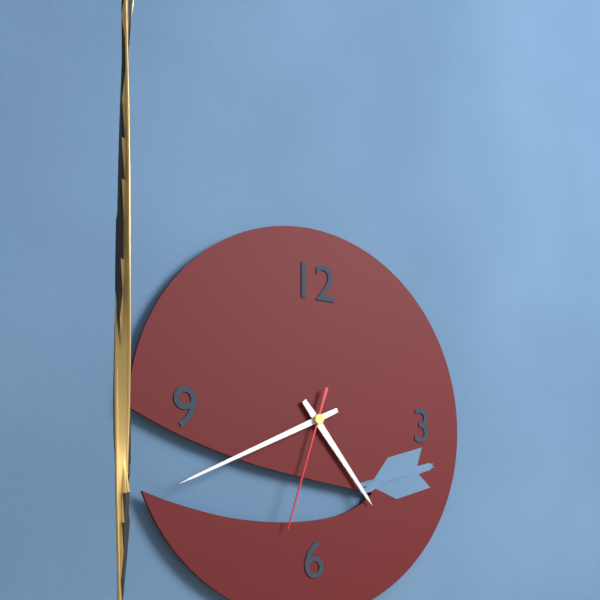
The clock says {"hour": 4, "minute": 41, "second": 33}
